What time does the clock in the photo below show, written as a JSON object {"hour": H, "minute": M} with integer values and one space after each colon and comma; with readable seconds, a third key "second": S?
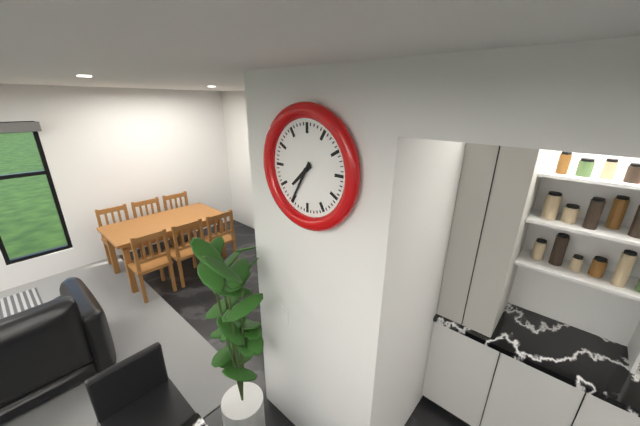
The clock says {"hour": 7, "minute": 35}
